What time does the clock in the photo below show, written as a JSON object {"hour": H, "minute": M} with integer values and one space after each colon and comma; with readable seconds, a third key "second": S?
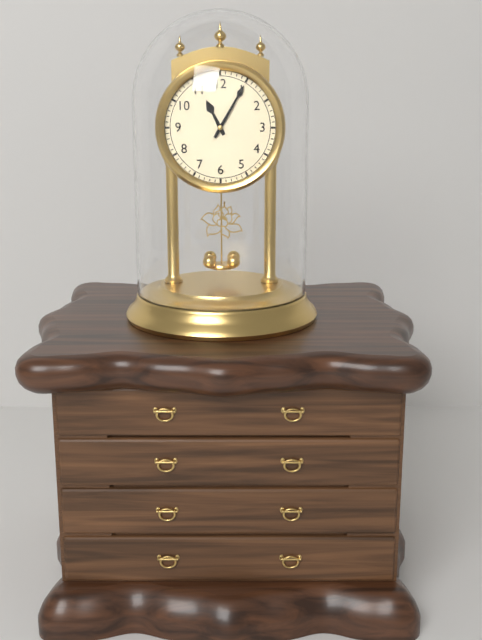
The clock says {"hour": 11, "minute": 5}
